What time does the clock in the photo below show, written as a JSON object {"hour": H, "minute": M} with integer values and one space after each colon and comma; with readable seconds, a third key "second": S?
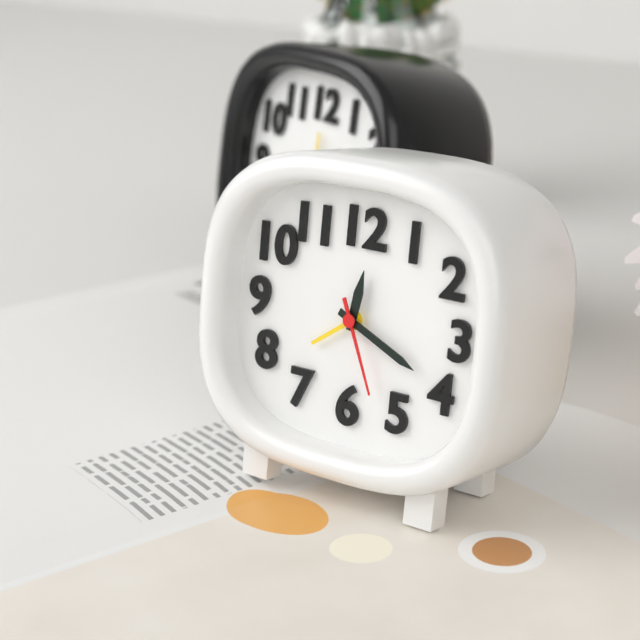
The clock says {"hour": 12, "minute": 19, "second": 26}
